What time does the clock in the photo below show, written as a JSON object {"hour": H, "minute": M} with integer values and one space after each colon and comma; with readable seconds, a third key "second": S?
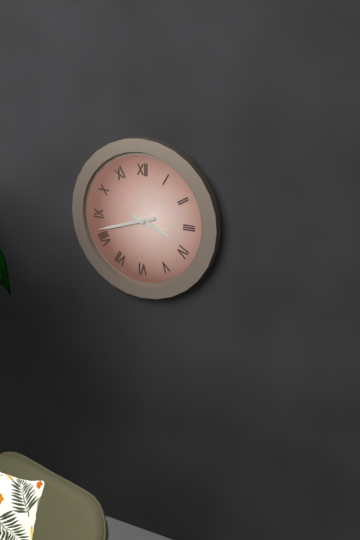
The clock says {"hour": 3, "minute": 42}
